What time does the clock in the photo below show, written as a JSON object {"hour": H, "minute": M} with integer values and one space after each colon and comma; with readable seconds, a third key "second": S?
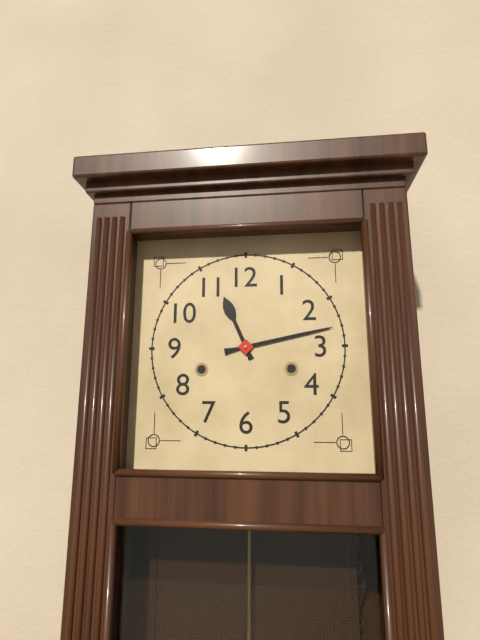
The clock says {"hour": 11, "minute": 13}
